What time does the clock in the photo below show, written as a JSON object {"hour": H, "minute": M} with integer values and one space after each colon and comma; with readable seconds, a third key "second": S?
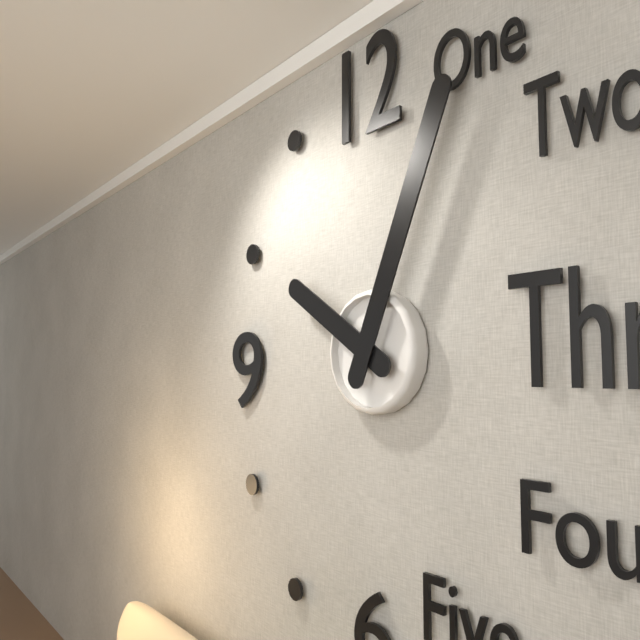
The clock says {"hour": 10, "minute": 4}
